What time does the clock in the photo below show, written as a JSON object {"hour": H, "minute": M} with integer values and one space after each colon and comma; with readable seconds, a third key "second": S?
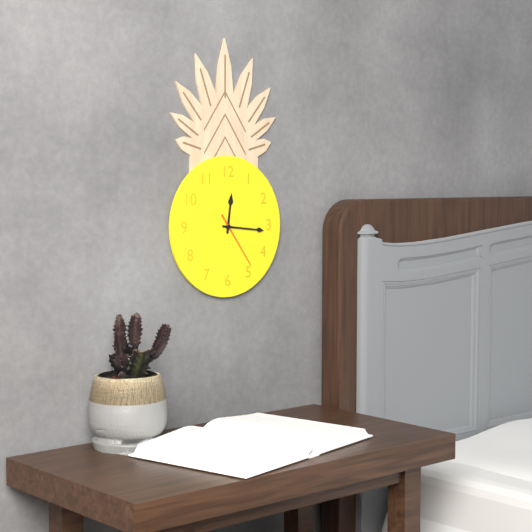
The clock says {"hour": 12, "minute": 16, "second": 24}
